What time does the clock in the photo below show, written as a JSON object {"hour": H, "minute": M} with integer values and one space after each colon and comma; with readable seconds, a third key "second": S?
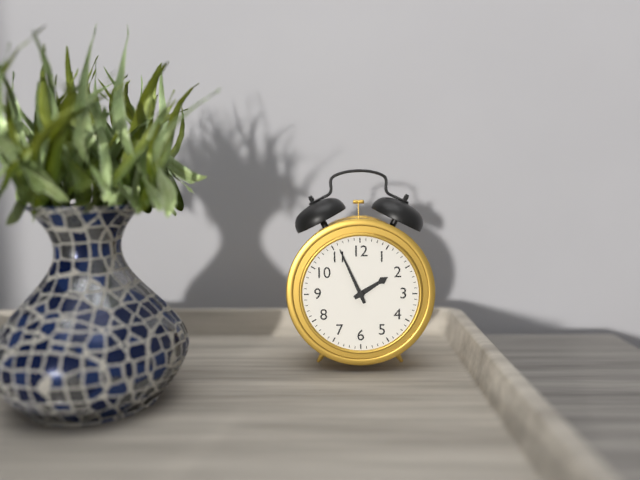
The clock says {"hour": 1, "minute": 56}
